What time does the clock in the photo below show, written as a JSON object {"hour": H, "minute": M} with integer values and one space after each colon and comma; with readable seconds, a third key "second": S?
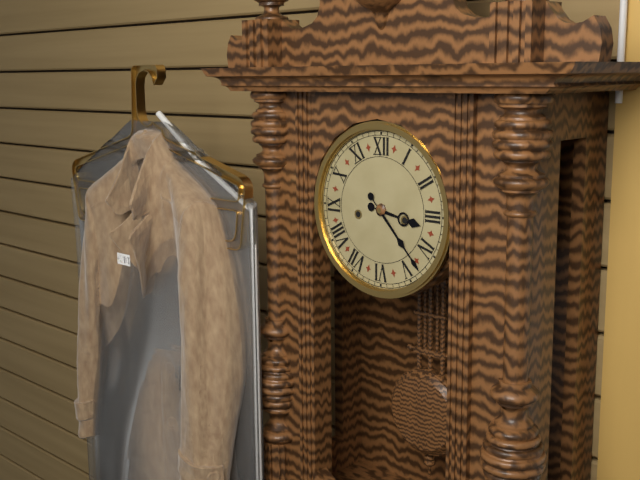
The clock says {"hour": 3, "minute": 23}
